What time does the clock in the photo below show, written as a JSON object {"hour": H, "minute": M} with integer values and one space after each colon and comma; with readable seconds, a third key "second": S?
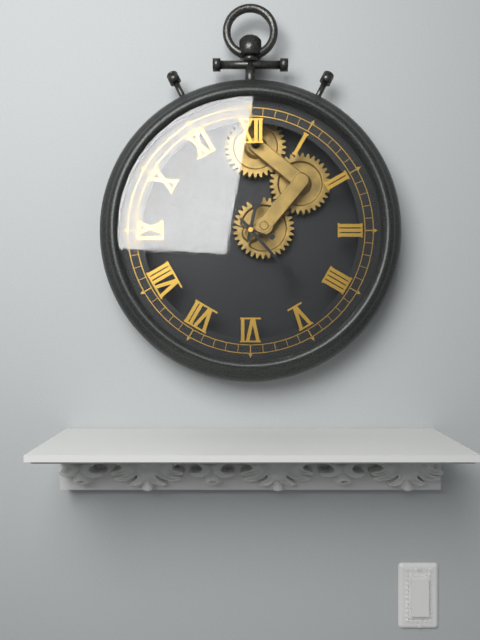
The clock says {"hour": 12, "minute": 23, "second": 48}
